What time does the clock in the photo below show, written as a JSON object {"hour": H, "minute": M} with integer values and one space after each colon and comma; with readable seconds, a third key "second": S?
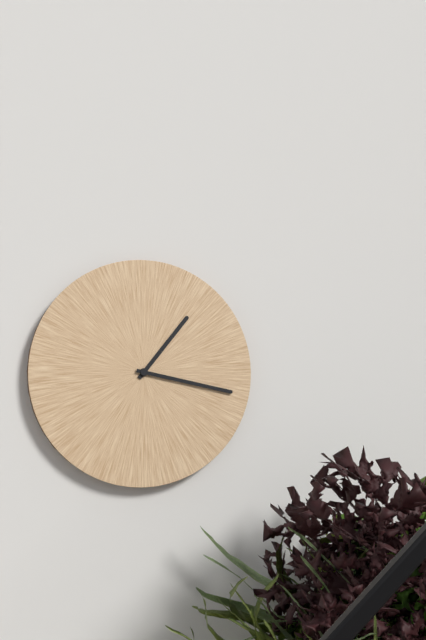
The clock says {"hour": 1, "minute": 17}
